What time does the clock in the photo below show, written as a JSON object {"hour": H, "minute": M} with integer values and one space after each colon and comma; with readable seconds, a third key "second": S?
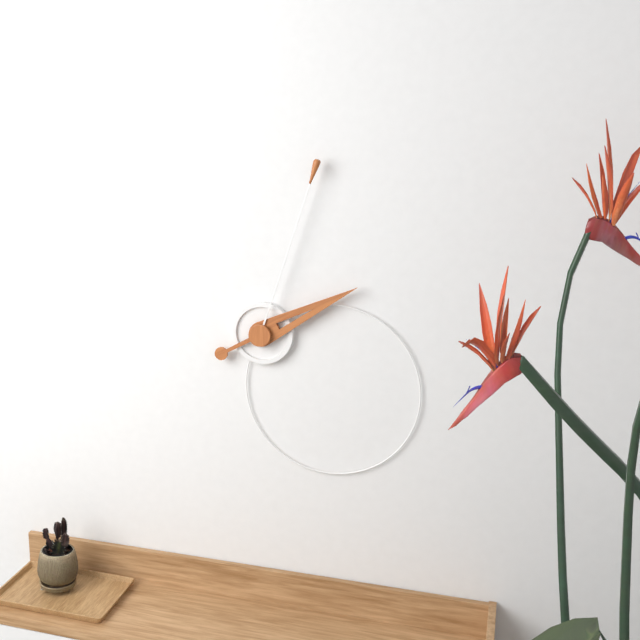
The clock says {"hour": 2, "minute": 3}
